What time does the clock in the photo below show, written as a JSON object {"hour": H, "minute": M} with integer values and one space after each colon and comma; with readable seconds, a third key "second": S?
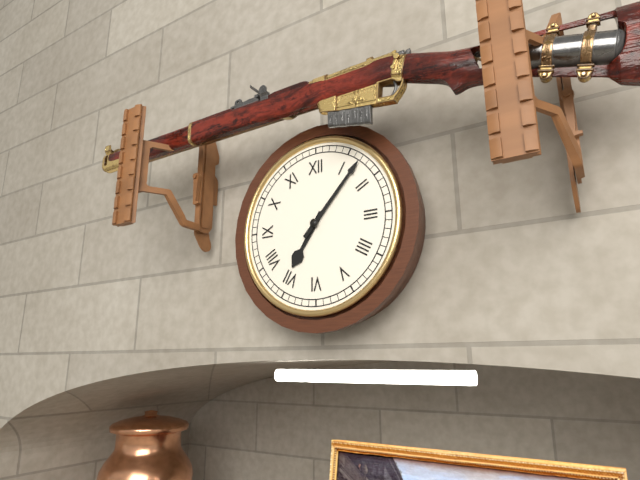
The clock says {"hour": 7, "minute": 7}
